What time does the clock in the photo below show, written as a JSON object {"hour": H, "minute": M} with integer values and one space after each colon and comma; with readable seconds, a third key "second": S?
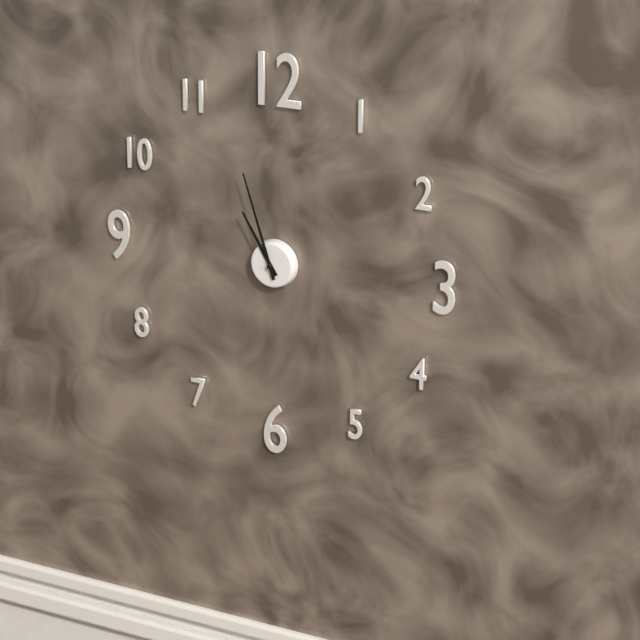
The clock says {"hour": 10, "minute": 57}
